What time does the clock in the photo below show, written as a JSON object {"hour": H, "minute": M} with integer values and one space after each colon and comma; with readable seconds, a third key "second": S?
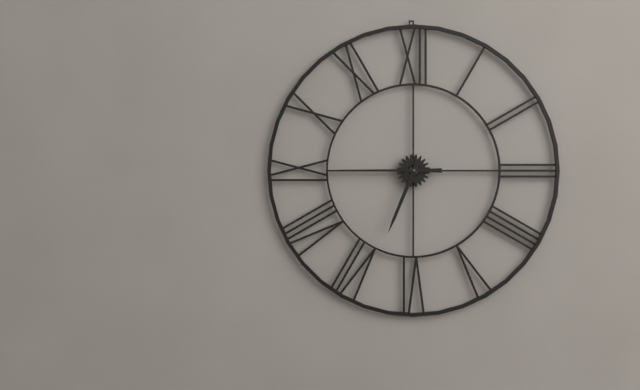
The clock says {"hour": 6, "minute": 45}
